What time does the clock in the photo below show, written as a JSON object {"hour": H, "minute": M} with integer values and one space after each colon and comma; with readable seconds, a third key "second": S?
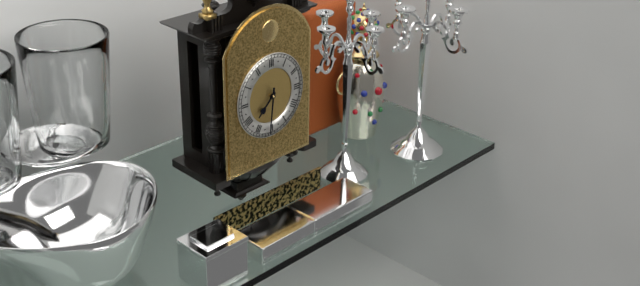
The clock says {"hour": 7, "minute": 31}
